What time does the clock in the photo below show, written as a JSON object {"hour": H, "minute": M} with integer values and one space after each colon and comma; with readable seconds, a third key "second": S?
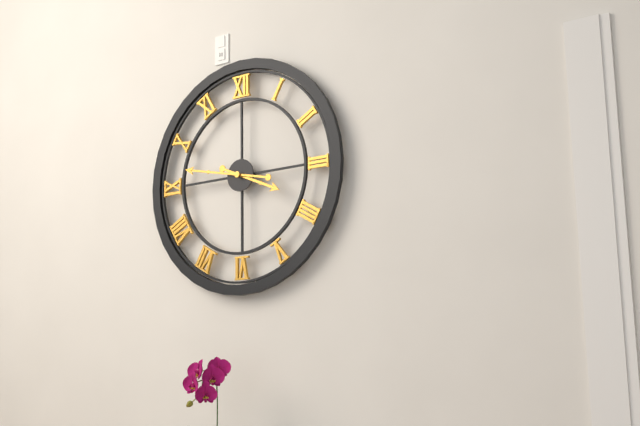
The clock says {"hour": 3, "minute": 47}
